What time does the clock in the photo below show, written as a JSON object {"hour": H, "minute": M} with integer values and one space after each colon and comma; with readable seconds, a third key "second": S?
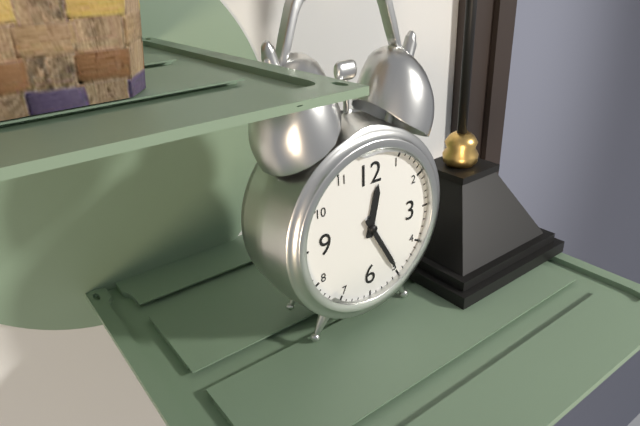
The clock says {"hour": 12, "minute": 25}
